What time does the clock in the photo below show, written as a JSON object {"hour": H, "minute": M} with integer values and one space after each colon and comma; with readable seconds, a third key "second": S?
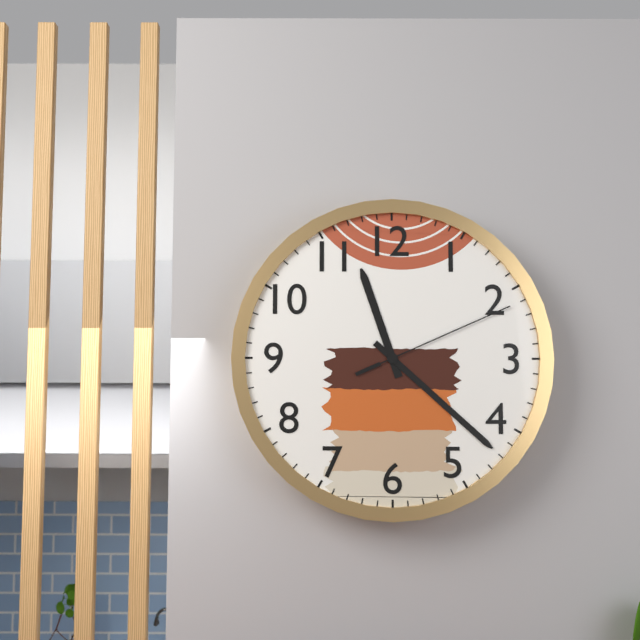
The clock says {"hour": 11, "minute": 22, "second": 11}
